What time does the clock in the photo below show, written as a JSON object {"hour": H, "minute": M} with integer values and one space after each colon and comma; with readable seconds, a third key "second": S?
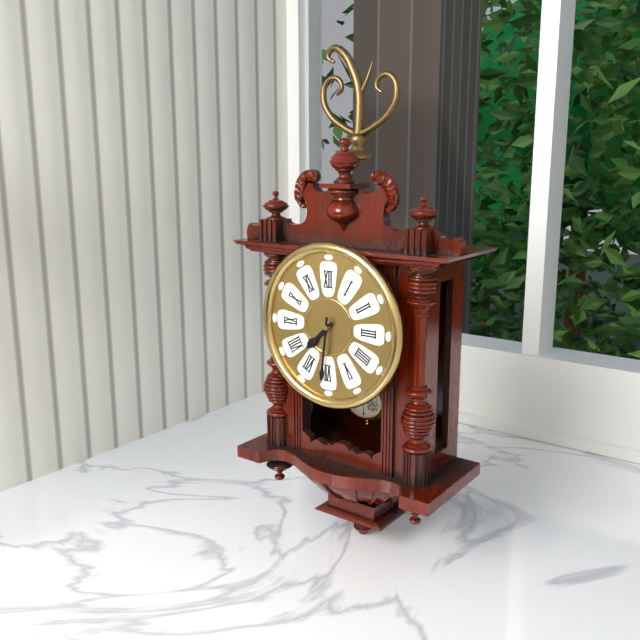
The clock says {"hour": 7, "minute": 31}
